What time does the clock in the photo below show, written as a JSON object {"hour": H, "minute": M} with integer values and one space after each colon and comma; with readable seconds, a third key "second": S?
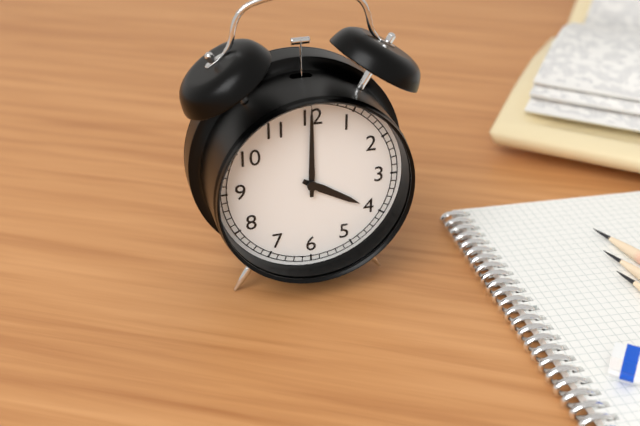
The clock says {"hour": 4, "minute": 0}
